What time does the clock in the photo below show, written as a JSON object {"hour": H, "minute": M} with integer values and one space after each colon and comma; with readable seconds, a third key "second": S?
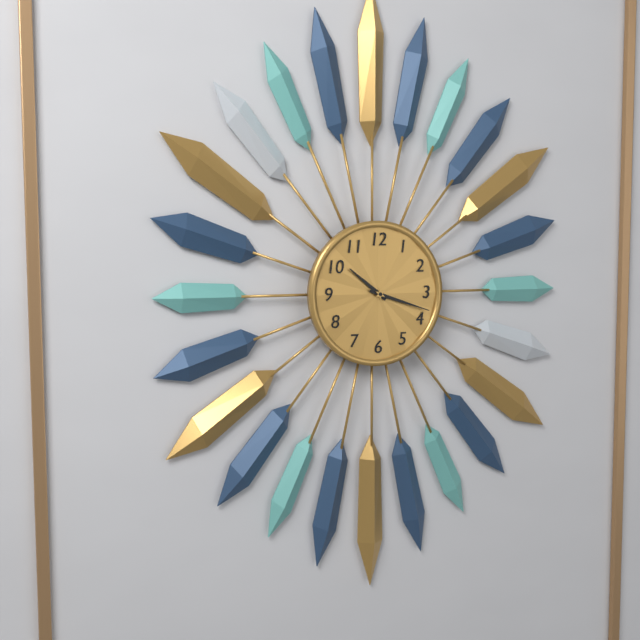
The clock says {"hour": 10, "minute": 18}
